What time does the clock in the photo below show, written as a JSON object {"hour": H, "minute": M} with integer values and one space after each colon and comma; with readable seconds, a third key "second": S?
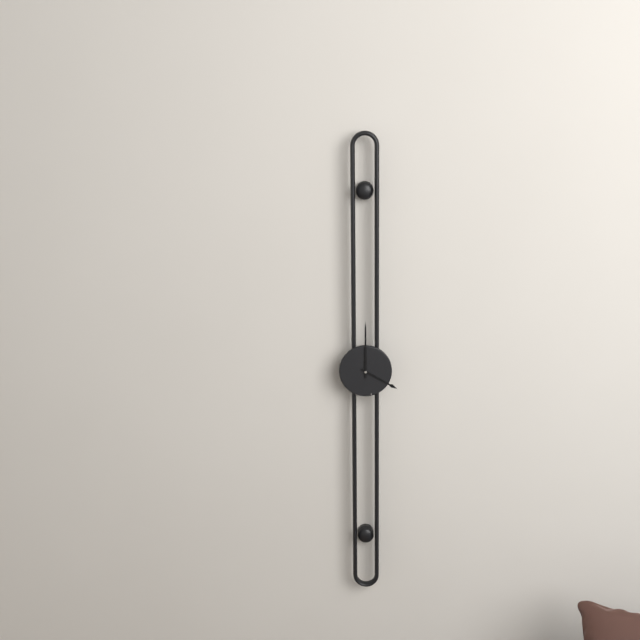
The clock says {"hour": 4, "minute": 0}
